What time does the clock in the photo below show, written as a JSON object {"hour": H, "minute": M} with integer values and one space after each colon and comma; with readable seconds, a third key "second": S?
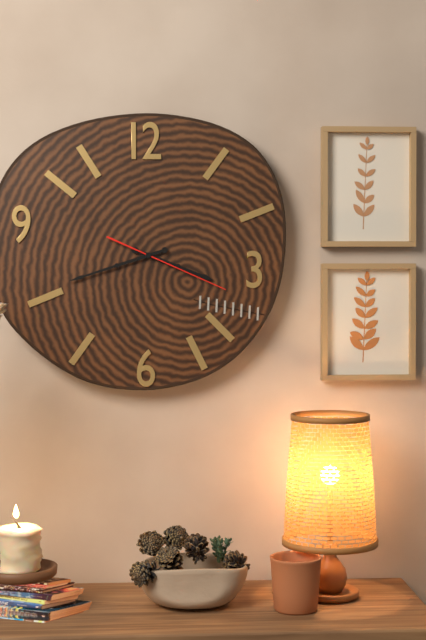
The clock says {"hour": 3, "minute": 42, "second": 19}
